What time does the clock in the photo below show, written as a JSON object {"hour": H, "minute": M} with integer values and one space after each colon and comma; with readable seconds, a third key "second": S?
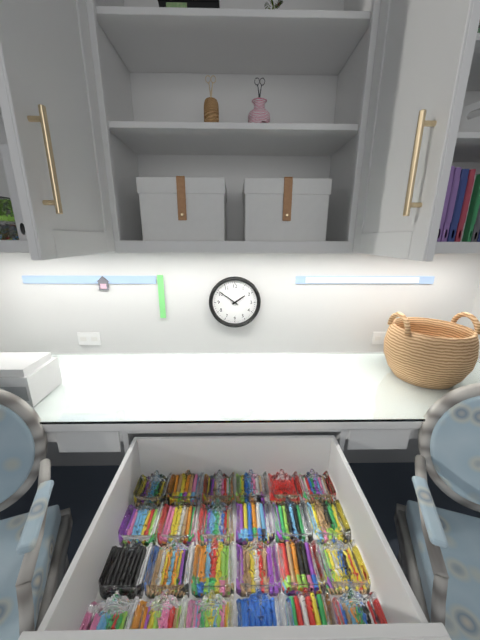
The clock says {"hour": 1, "minute": 51}
